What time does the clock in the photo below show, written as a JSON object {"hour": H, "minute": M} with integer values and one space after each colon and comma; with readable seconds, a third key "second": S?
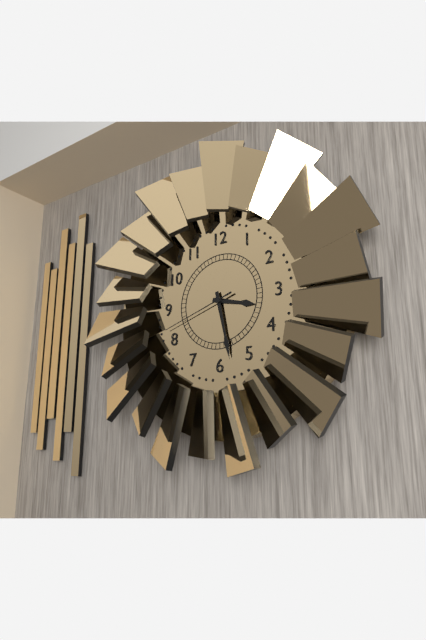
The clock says {"hour": 3, "minute": 28, "second": 42}
